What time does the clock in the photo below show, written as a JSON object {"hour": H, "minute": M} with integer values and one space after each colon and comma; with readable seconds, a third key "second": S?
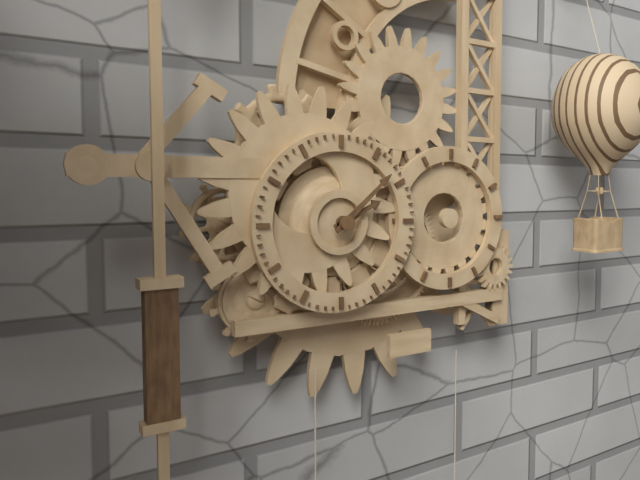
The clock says {"hour": 2, "minute": 8}
